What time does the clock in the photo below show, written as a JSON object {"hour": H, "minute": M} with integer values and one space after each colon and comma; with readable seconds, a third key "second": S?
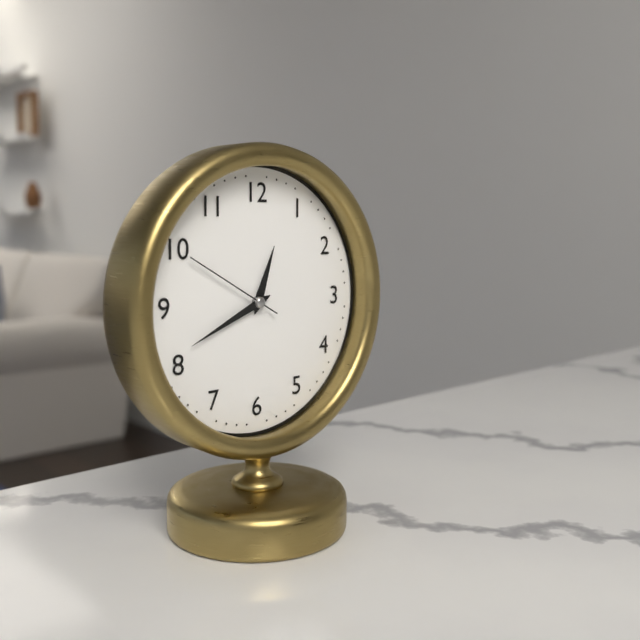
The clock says {"hour": 12, "minute": 41, "second": 50}
